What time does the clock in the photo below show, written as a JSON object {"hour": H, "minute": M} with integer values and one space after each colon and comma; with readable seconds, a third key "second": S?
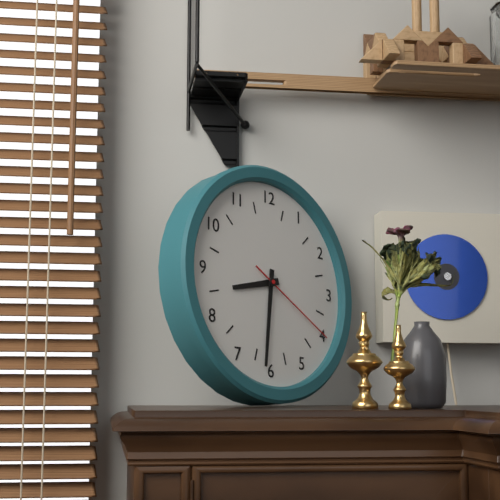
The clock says {"hour": 8, "minute": 31, "second": 20}
